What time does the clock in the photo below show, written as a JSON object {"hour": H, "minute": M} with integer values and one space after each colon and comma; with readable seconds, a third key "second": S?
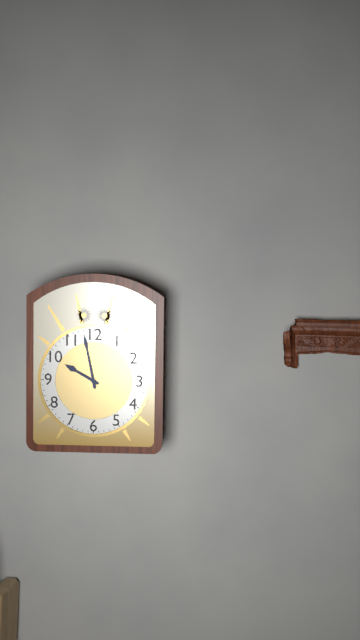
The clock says {"hour": 9, "minute": 58}
